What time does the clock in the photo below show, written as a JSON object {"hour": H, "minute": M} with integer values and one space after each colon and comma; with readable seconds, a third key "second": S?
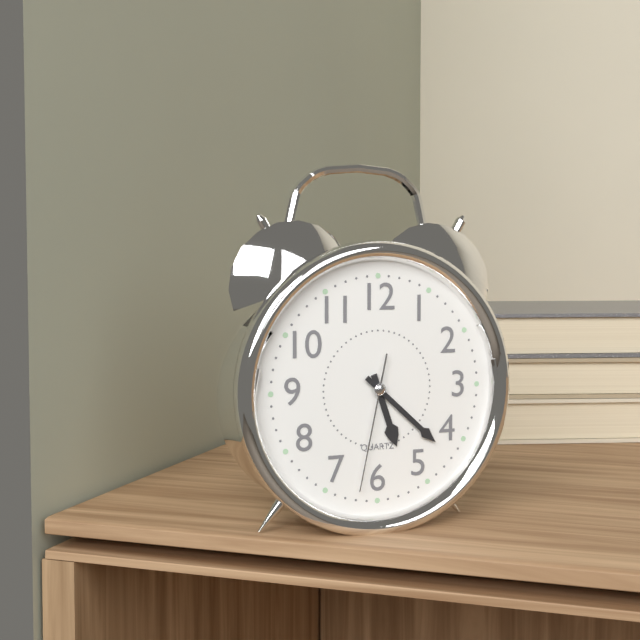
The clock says {"hour": 5, "minute": 22, "second": 32}
